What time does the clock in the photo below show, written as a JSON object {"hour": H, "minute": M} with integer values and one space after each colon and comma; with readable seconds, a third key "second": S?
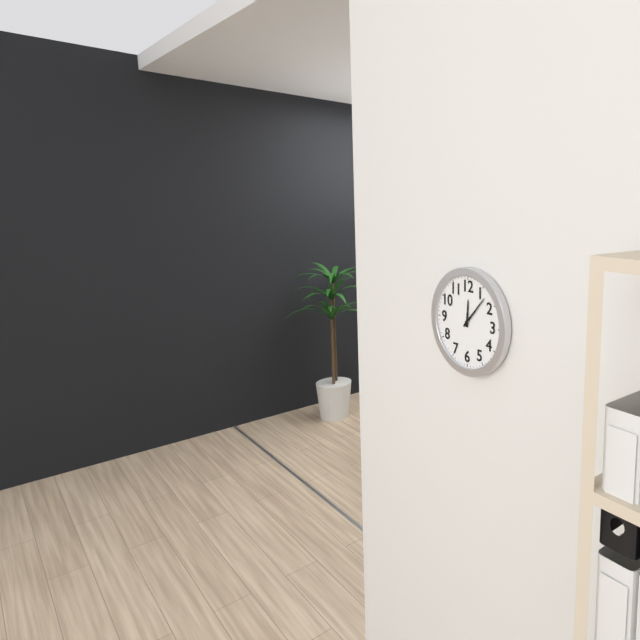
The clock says {"hour": 12, "minute": 7}
